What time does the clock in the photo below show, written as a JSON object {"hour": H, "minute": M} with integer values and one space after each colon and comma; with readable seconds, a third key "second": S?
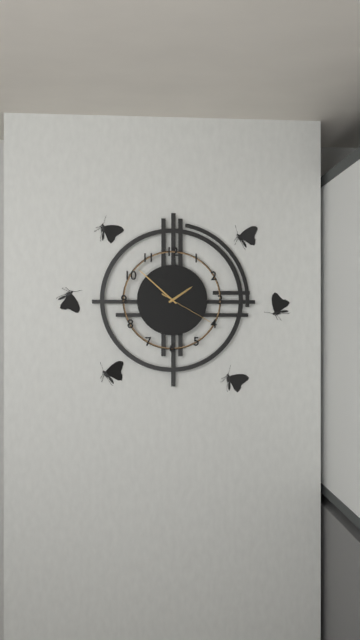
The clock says {"hour": 1, "minute": 52, "second": 20}
